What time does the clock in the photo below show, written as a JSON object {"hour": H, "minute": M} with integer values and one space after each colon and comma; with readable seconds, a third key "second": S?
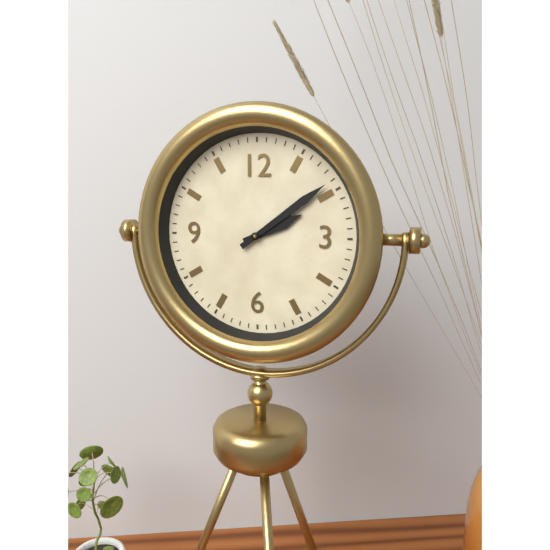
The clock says {"hour": 2, "minute": 9}
